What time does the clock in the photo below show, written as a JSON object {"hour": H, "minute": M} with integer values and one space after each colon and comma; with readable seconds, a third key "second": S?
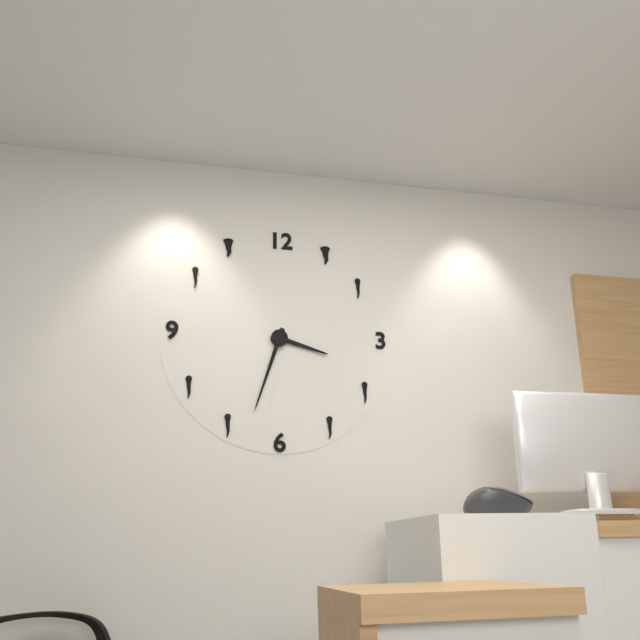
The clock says {"hour": 3, "minute": 33}
